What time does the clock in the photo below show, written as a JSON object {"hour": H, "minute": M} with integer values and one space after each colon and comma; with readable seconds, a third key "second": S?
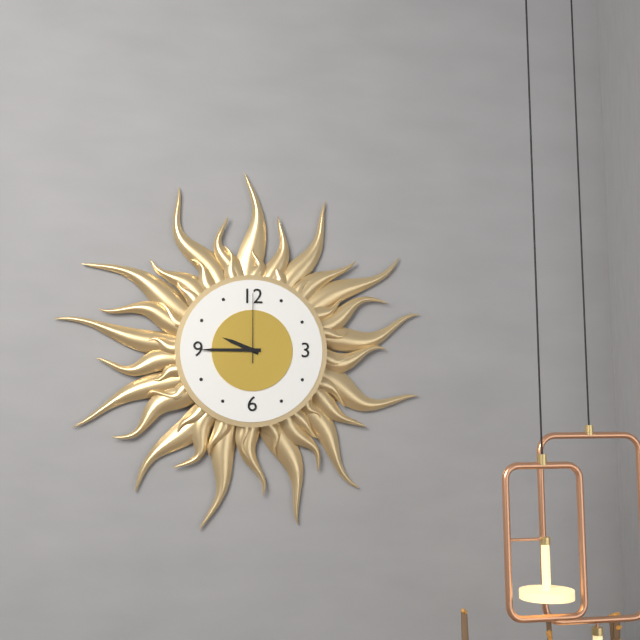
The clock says {"hour": 9, "minute": 45, "second": 0}
